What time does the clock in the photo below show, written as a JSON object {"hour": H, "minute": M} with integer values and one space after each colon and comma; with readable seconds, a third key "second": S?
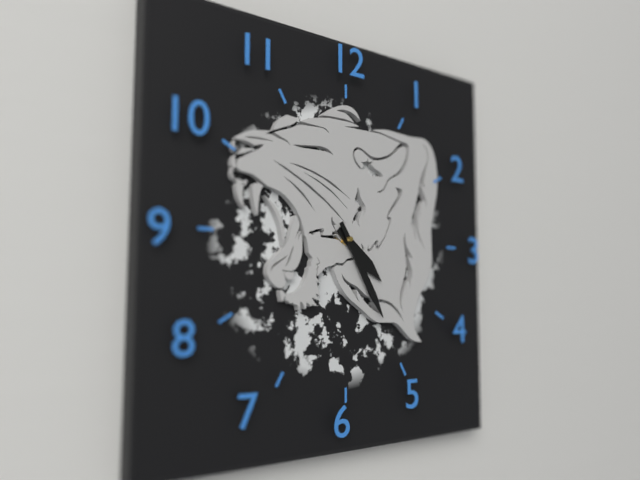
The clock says {"hour": 4, "minute": 25}
